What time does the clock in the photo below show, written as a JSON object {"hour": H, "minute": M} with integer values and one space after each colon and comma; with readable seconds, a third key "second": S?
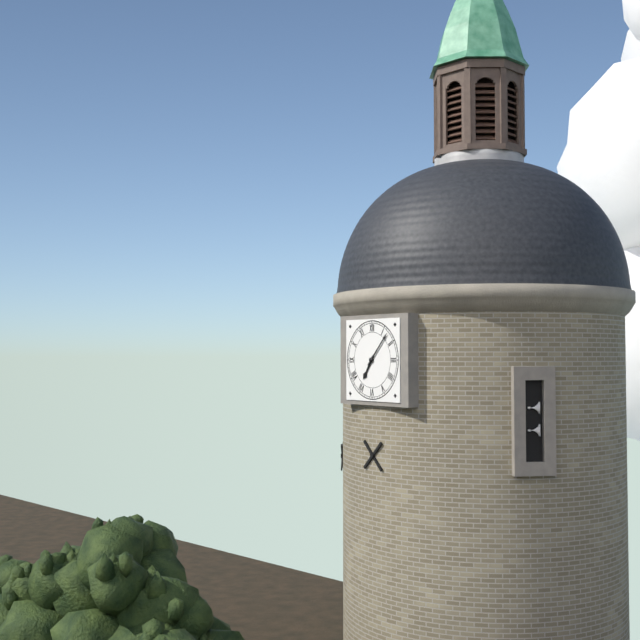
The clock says {"hour": 7, "minute": 7}
